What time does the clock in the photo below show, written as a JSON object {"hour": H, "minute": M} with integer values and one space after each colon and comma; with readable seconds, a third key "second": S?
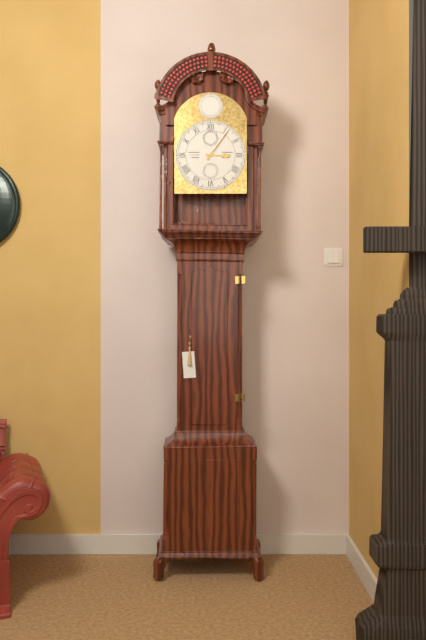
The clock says {"hour": 3, "minute": 6}
